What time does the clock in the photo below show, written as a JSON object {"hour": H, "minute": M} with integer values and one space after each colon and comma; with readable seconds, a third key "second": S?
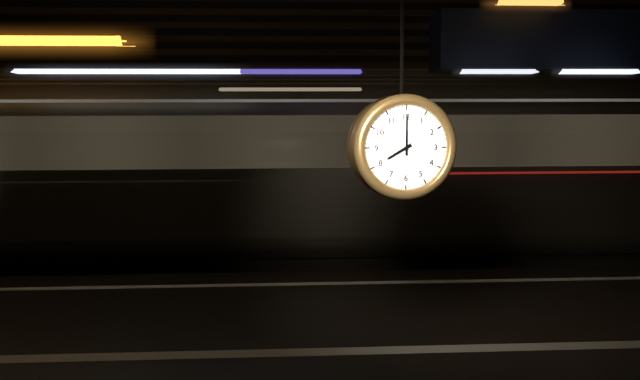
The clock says {"hour": 8, "minute": 0}
